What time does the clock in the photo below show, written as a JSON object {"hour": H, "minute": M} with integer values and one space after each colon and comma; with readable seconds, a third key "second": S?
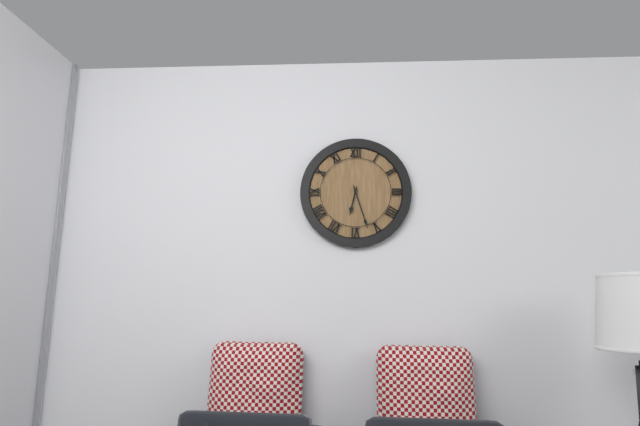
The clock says {"hour": 6, "minute": 27}
